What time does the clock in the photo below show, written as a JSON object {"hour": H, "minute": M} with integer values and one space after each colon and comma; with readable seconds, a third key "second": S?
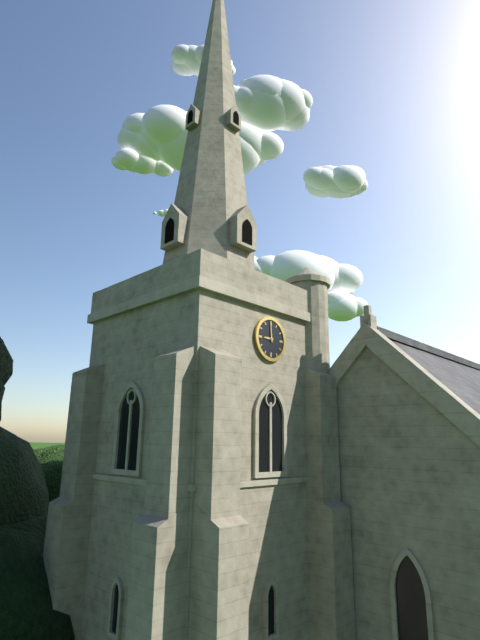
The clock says {"hour": 8, "minute": 59}
